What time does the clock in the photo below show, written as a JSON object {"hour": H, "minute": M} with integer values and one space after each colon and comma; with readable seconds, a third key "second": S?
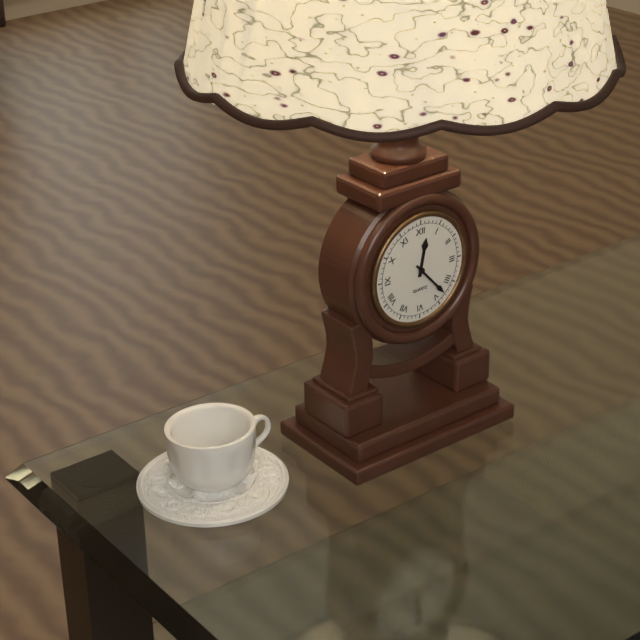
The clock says {"hour": 12, "minute": 23}
